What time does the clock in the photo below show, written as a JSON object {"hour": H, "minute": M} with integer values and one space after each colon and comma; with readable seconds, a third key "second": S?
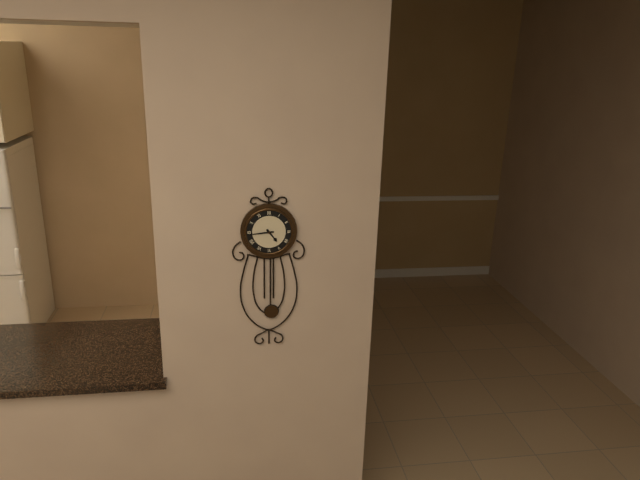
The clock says {"hour": 4, "minute": 44}
